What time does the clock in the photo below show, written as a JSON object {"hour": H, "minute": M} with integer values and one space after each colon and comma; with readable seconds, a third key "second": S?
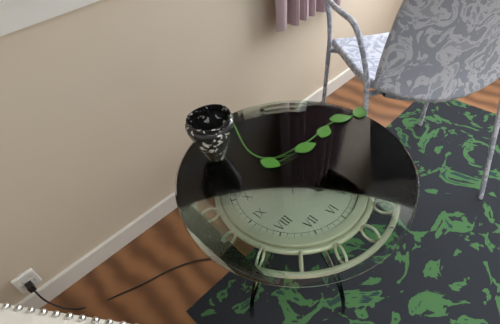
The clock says {"hour": 5, "minute": 8}
